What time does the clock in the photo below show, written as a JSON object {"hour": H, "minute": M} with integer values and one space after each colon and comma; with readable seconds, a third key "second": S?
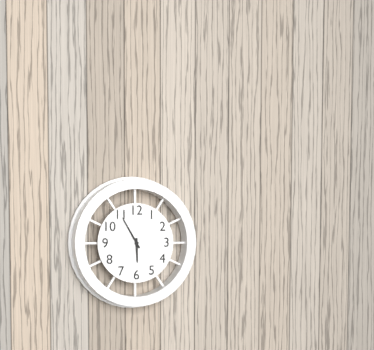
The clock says {"hour": 5, "minute": 55}
